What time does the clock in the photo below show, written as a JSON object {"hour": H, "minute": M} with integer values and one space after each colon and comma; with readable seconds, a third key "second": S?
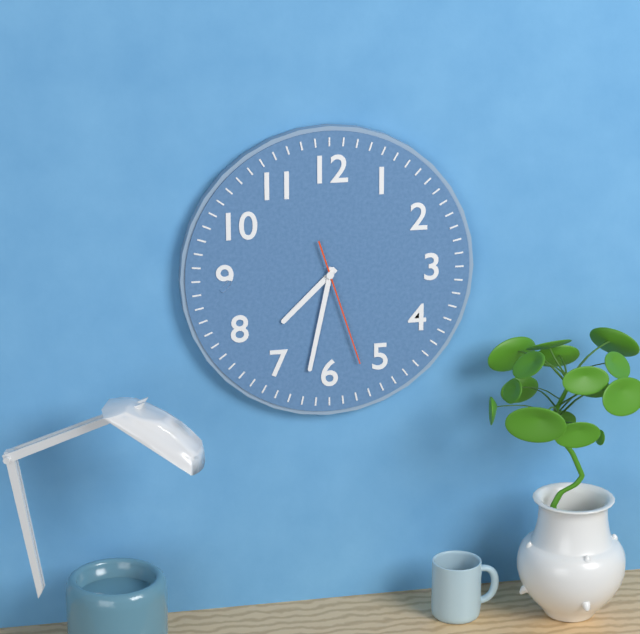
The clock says {"hour": 7, "minute": 32, "second": 27}
